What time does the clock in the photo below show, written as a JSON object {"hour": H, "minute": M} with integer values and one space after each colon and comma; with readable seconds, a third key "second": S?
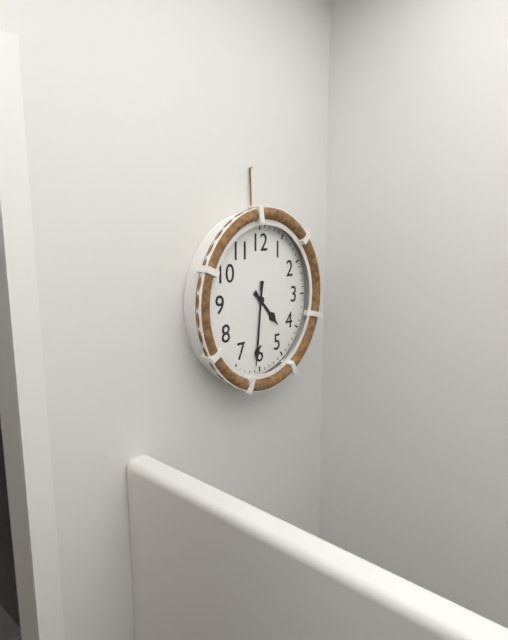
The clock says {"hour": 4, "minute": 31}
